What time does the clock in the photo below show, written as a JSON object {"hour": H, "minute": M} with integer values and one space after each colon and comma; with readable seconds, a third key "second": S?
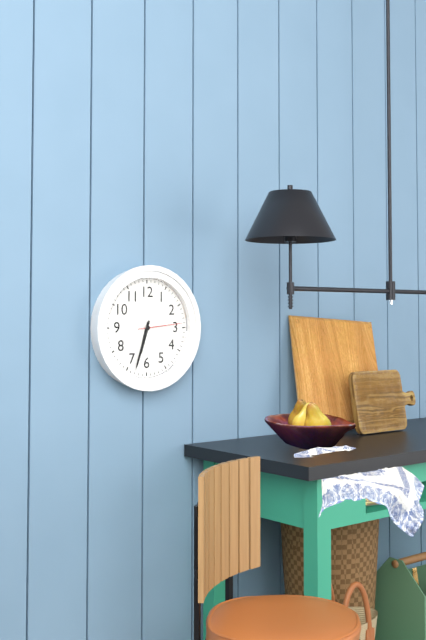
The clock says {"hour": 6, "minute": 33}
